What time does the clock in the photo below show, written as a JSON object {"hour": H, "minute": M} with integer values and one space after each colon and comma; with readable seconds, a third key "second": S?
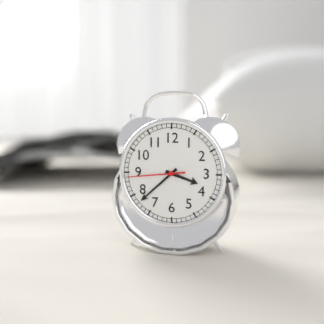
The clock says {"hour": 3, "minute": 38, "second": 44}
